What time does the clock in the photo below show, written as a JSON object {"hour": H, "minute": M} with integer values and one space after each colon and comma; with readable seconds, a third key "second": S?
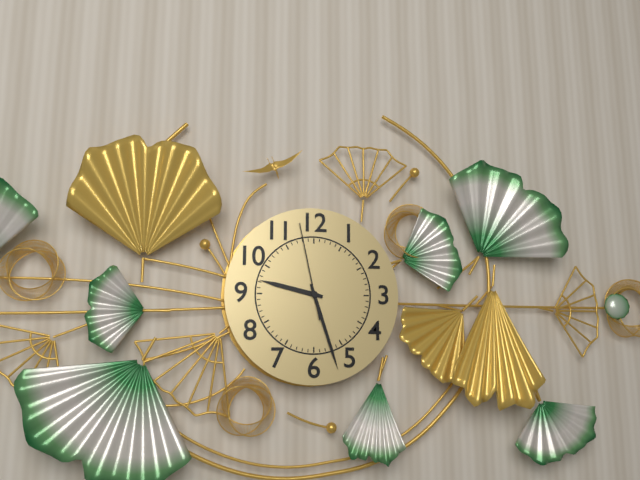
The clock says {"hour": 9, "minute": 27, "second": 58}
